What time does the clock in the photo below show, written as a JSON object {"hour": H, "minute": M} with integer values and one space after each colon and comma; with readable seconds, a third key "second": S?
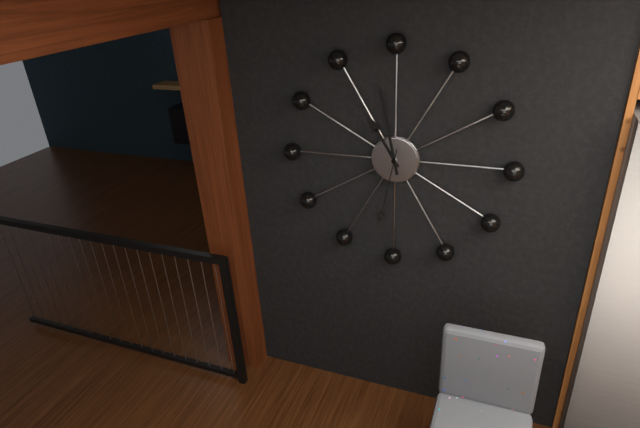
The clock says {"hour": 10, "minute": 58, "second": 32}
